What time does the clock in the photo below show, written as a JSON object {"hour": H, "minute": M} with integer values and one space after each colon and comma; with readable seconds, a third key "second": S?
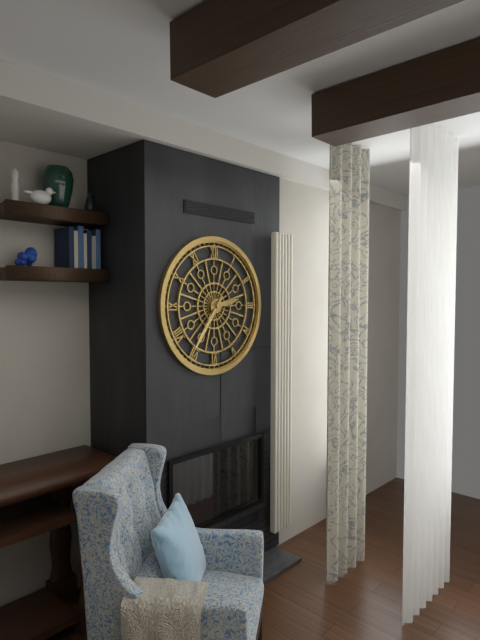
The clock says {"hour": 2, "minute": 36}
